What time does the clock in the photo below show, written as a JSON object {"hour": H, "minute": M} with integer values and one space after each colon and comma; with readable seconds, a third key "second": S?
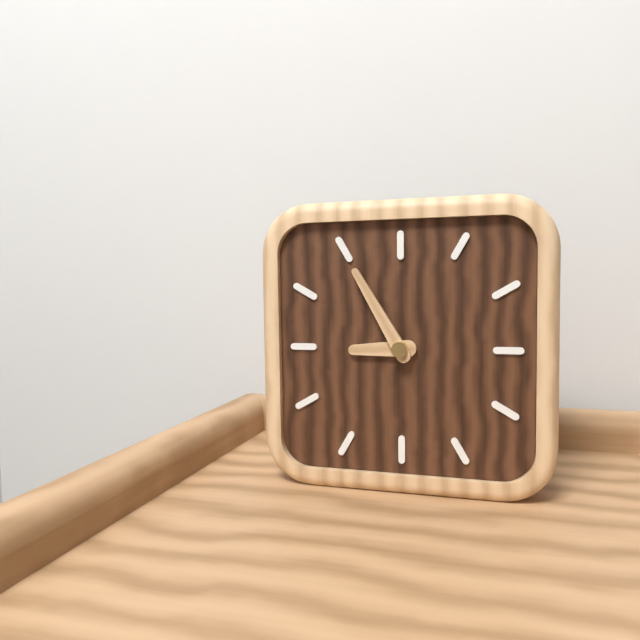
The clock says {"hour": 8, "minute": 55}
